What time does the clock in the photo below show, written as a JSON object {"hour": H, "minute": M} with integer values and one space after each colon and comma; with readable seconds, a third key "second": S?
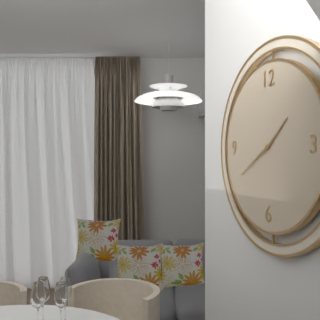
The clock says {"hour": 1, "minute": 40}
